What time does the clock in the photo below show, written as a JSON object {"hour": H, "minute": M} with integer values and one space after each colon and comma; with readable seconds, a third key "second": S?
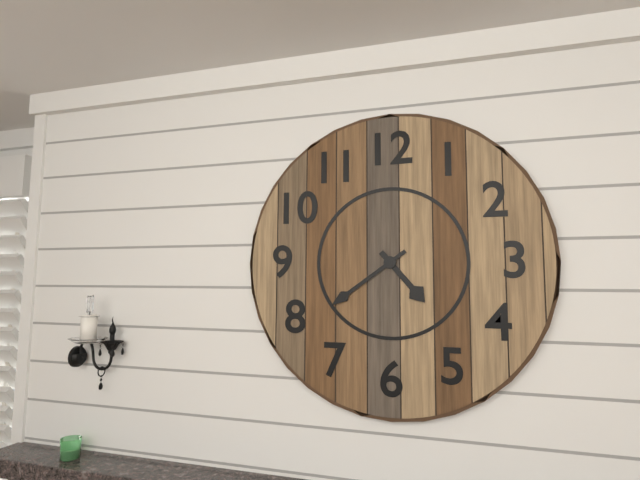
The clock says {"hour": 4, "minute": 39}
